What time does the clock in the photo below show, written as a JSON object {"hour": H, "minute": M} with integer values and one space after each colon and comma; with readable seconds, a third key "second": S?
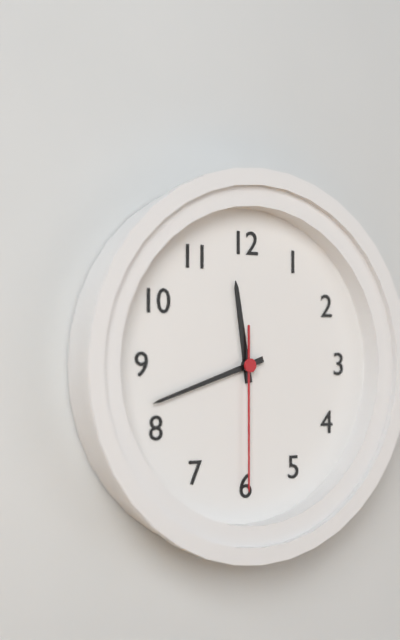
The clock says {"hour": 11, "minute": 42, "second": 30}
